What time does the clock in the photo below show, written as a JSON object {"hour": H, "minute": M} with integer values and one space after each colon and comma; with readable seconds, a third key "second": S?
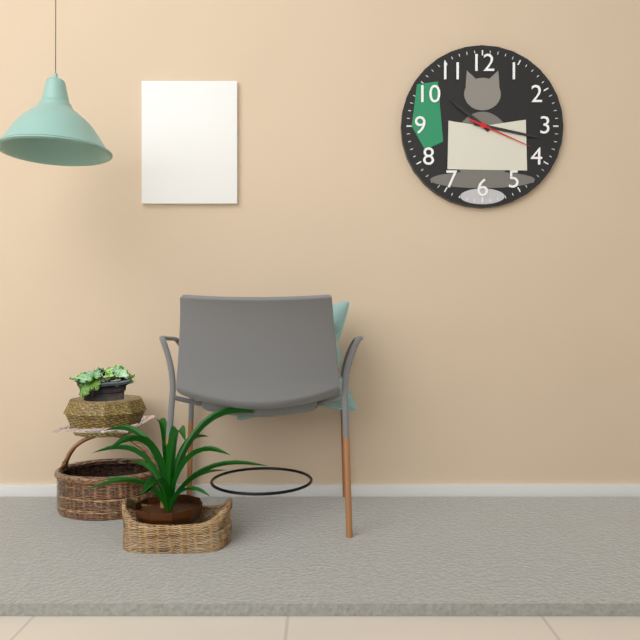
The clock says {"hour": 10, "minute": 17, "second": 19}
